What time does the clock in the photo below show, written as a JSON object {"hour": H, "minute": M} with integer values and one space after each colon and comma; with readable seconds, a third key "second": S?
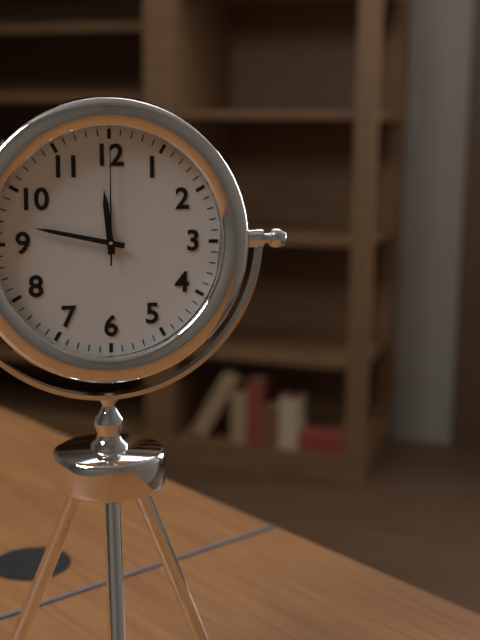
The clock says {"hour": 11, "minute": 47, "second": 0}
